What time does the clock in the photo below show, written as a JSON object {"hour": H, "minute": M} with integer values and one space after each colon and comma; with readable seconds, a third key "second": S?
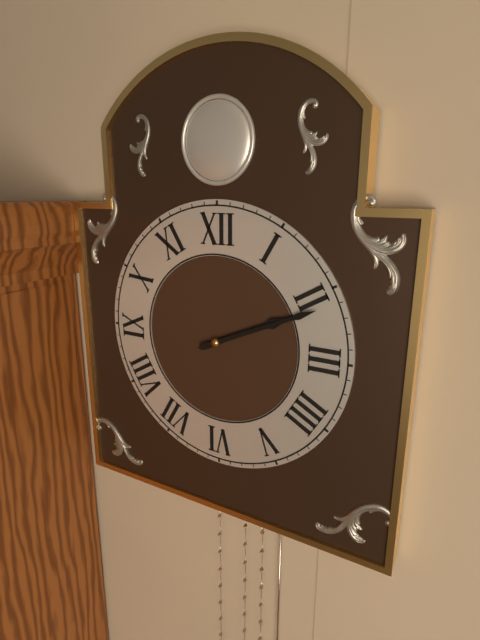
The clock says {"hour": 2, "minute": 11}
